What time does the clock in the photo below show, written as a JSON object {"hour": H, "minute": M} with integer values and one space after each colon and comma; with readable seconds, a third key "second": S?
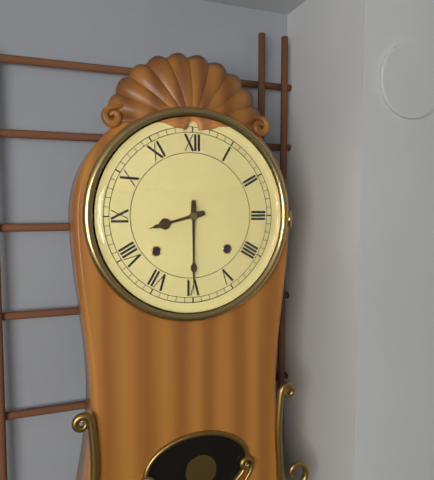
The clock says {"hour": 8, "minute": 30}
